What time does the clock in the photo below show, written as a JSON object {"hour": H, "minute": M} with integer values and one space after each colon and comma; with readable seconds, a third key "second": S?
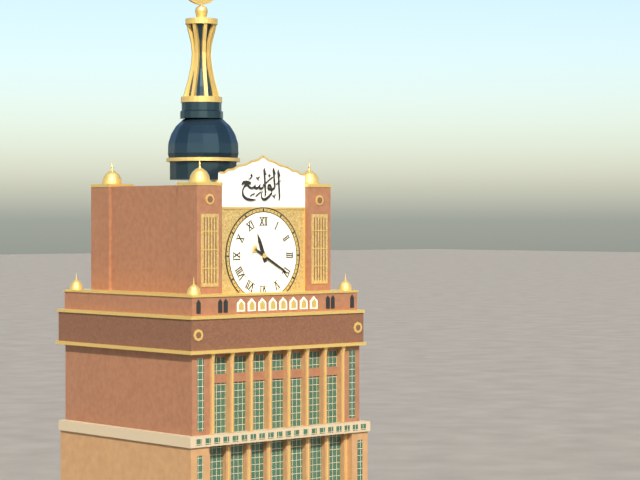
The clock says {"hour": 11, "minute": 20}
